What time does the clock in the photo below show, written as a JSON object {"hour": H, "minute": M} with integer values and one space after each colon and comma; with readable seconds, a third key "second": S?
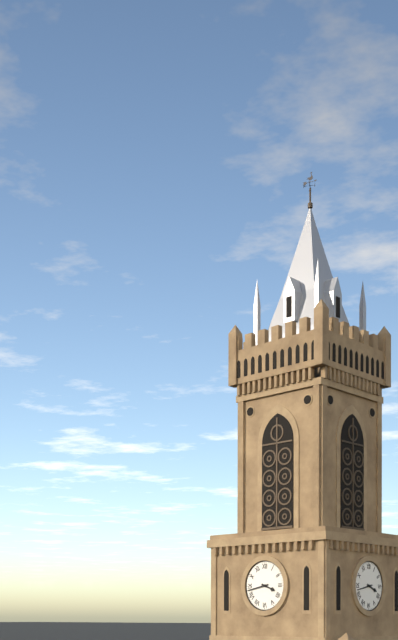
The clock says {"hour": 3, "minute": 43}
